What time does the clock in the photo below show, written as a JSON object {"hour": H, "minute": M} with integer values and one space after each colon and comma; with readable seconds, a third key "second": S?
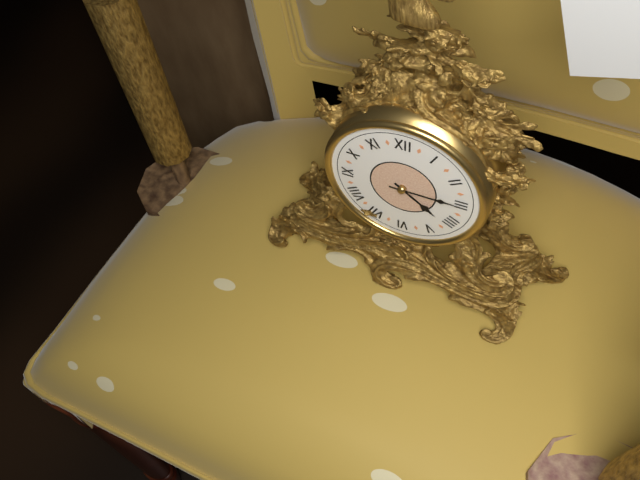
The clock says {"hour": 4, "minute": 15}
